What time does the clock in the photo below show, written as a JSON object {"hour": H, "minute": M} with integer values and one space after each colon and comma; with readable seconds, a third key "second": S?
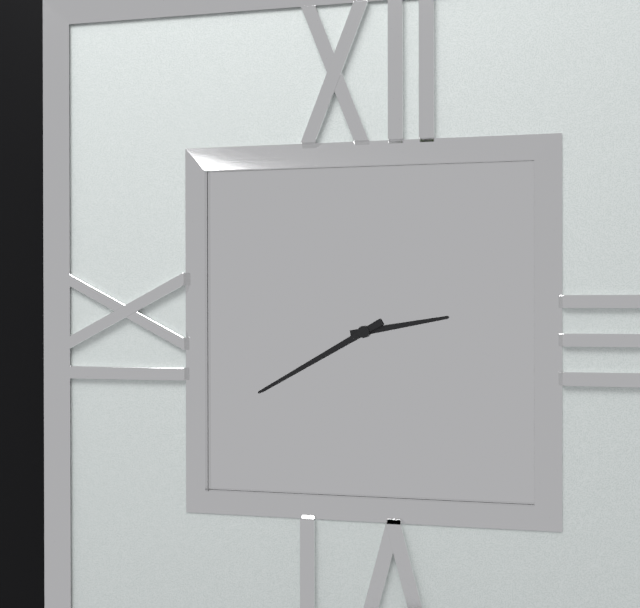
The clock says {"hour": 2, "minute": 40}
